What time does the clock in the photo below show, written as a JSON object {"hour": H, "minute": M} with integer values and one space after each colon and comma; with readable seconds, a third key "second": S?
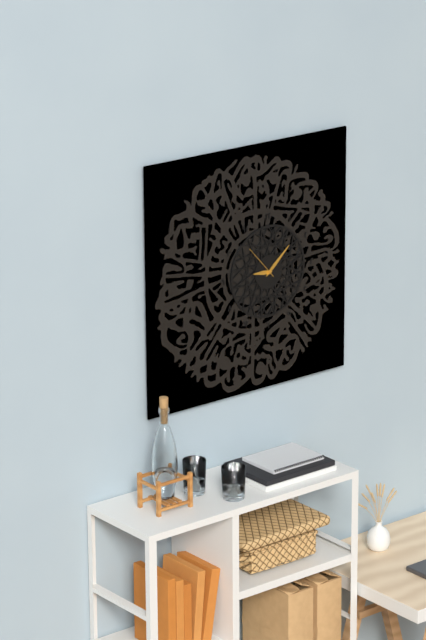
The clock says {"hour": 9, "minute": 8}
